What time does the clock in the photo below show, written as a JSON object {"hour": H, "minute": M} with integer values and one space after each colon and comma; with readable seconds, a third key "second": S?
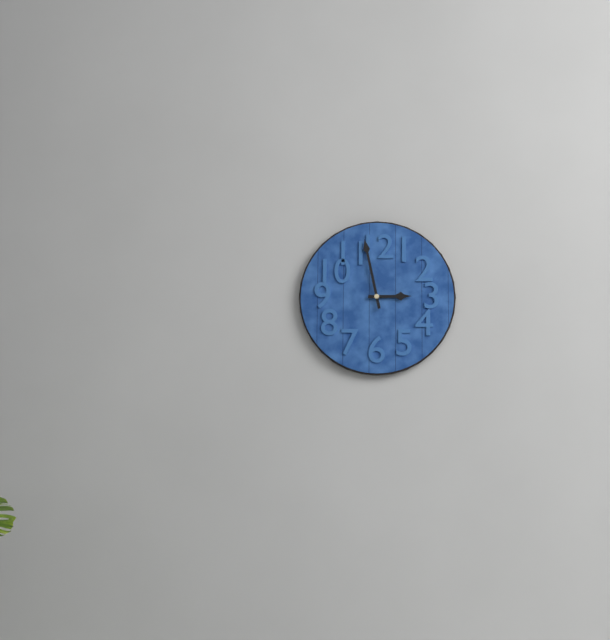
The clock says {"hour": 2, "minute": 58}
